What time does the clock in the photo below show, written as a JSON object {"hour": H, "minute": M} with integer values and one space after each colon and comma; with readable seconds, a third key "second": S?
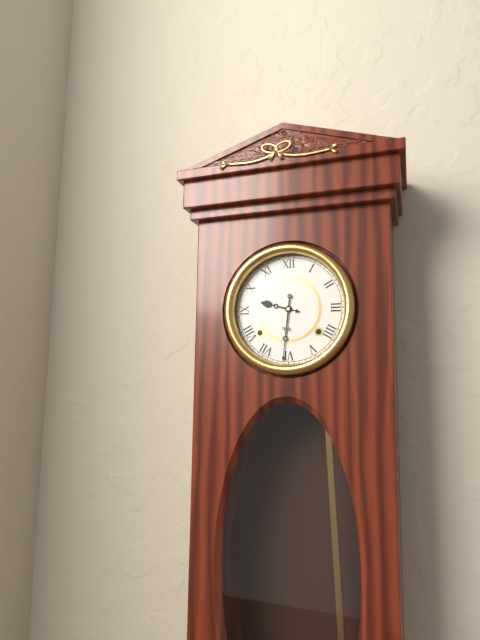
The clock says {"hour": 9, "minute": 31}
